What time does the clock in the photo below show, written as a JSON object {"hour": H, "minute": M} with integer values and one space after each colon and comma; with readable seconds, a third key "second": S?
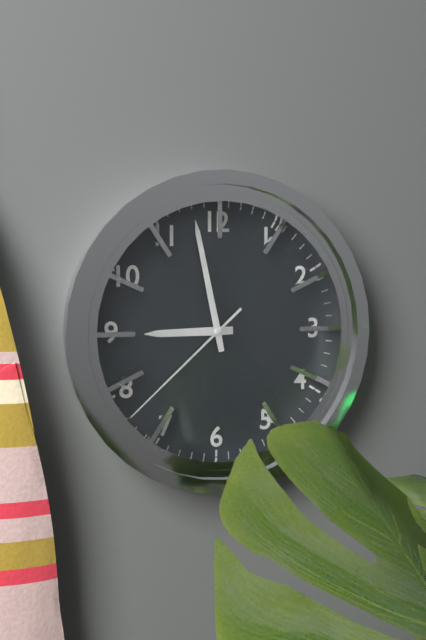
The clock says {"hour": 8, "minute": 58, "second": 38}
